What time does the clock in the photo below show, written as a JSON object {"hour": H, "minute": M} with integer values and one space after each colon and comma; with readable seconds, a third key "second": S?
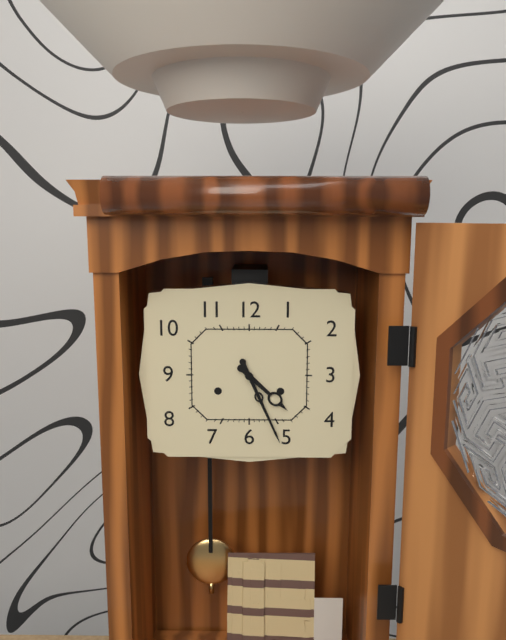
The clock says {"hour": 4, "minute": 26}
